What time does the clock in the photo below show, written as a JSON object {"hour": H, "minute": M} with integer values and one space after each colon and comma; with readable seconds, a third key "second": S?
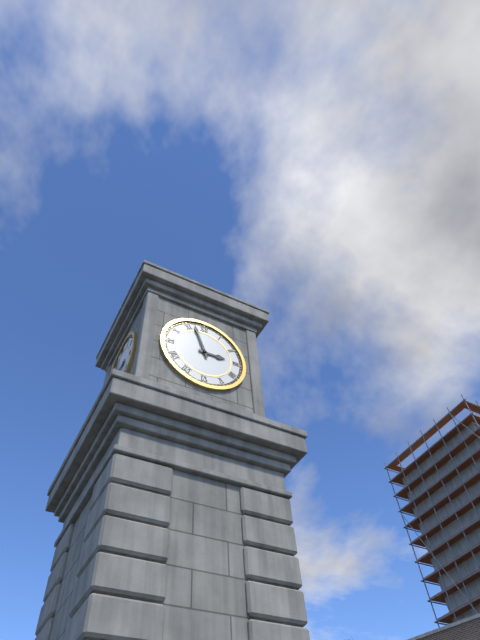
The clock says {"hour": 2, "minute": 57}
